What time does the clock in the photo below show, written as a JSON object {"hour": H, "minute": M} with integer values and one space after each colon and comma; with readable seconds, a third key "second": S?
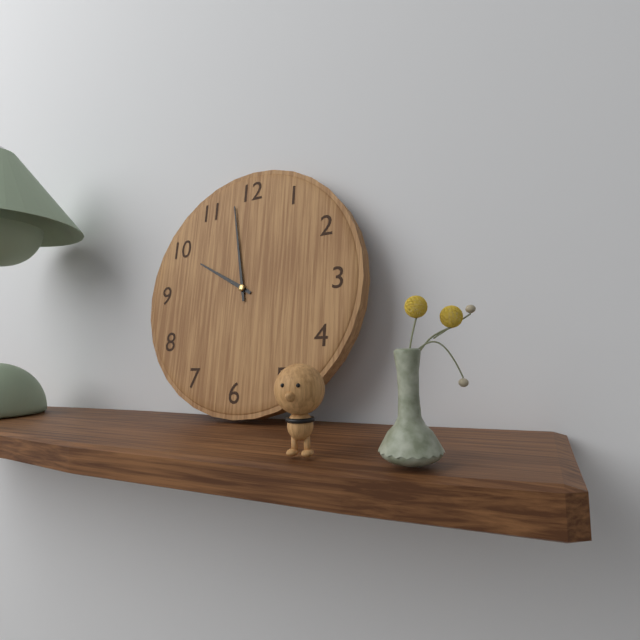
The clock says {"hour": 9, "minute": 58}
